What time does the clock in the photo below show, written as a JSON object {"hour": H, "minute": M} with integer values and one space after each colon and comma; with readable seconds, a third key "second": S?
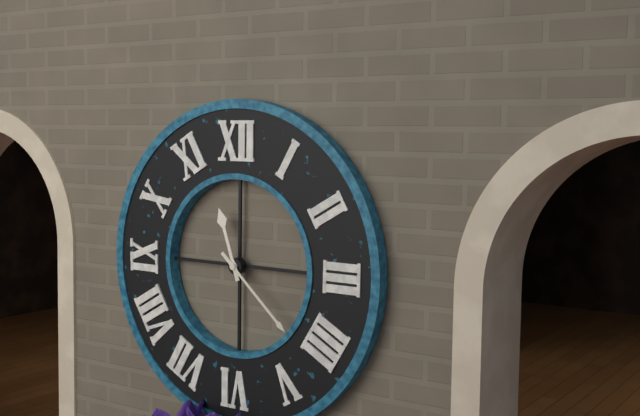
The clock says {"hour": 11, "minute": 22}
